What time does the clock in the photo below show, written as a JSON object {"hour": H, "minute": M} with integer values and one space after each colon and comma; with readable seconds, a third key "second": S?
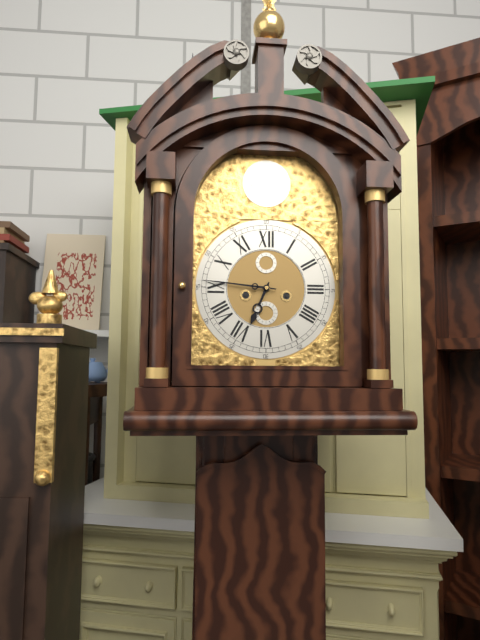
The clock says {"hour": 6, "minute": 46}
